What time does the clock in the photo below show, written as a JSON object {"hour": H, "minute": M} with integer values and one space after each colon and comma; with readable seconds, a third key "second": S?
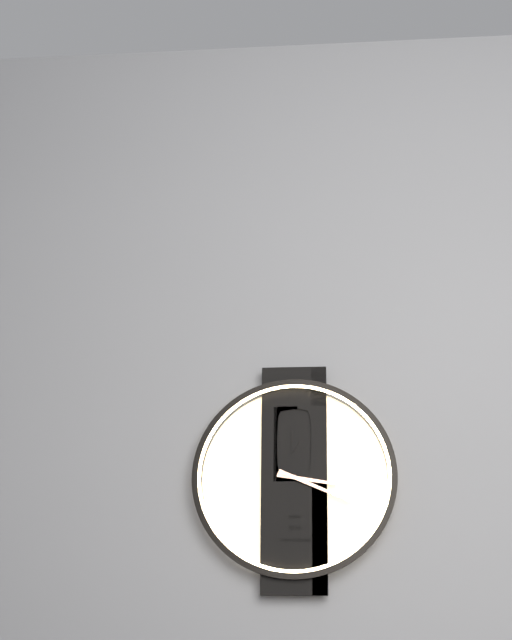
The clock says {"hour": 3, "minute": 19}
